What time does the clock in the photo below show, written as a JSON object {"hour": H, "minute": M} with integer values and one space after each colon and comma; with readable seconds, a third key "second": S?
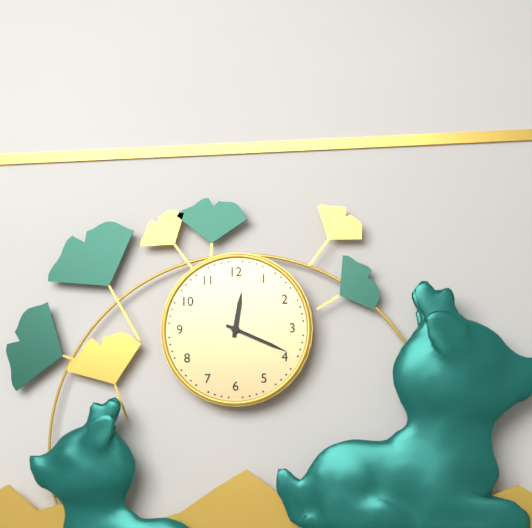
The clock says {"hour": 12, "minute": 19}
